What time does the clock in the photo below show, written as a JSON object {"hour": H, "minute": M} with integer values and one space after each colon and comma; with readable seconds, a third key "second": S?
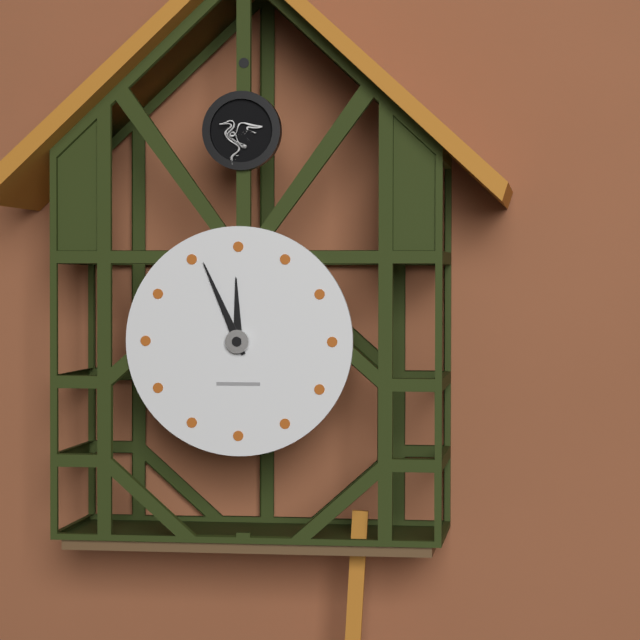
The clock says {"hour": 11, "minute": 56}
